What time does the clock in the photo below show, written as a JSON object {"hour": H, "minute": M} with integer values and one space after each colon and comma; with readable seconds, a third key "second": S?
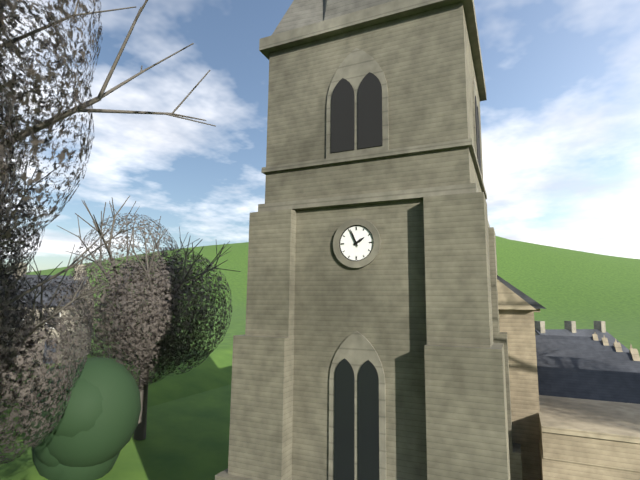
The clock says {"hour": 1, "minute": 56}
